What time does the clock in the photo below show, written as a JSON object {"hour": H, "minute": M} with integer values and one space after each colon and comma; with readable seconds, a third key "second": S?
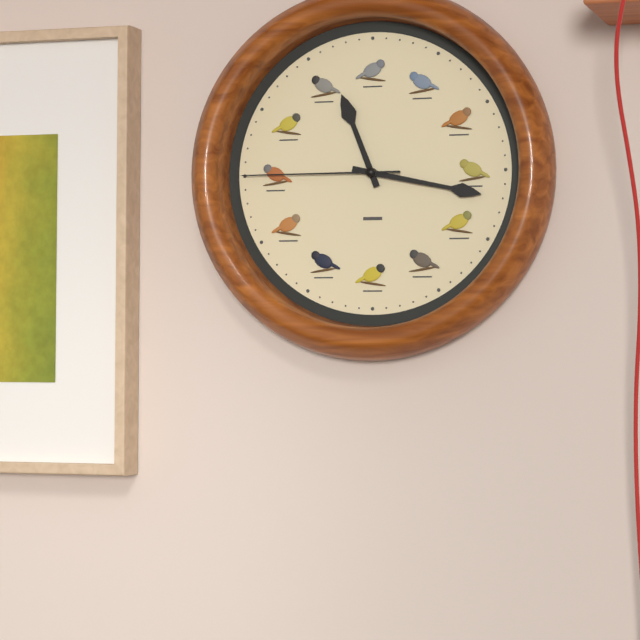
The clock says {"hour": 11, "minute": 17, "second": 45}
